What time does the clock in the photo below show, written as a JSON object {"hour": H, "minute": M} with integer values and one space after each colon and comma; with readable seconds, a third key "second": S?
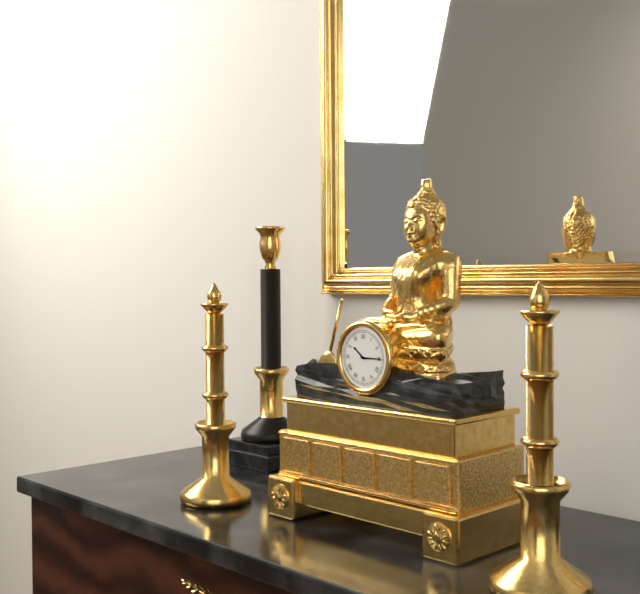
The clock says {"hour": 10, "minute": 15}
